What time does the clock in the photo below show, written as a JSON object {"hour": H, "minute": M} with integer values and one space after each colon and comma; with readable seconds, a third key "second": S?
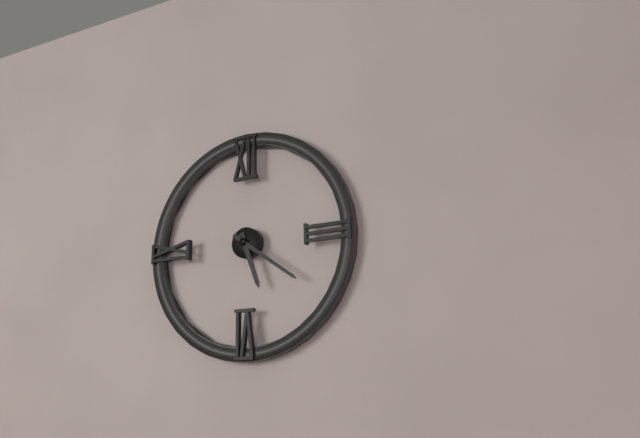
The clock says {"hour": 5, "minute": 21}
